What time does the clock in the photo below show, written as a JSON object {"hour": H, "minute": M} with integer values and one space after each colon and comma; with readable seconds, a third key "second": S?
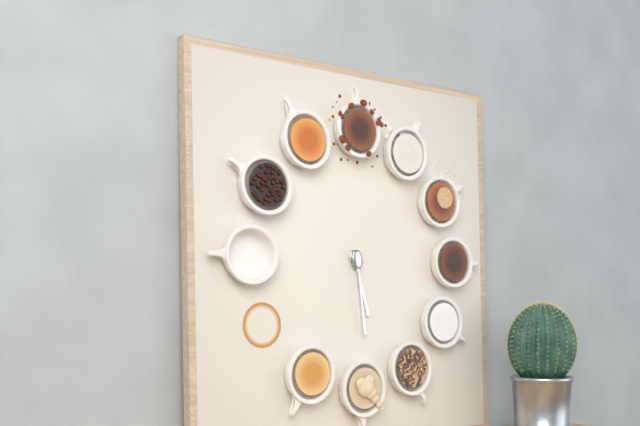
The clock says {"hour": 5, "minute": 29}
